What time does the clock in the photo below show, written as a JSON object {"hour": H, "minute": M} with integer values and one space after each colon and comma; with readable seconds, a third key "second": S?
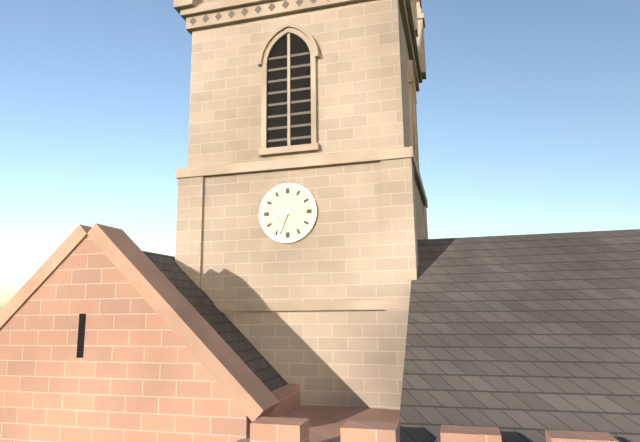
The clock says {"hour": 8, "minute": 34}
